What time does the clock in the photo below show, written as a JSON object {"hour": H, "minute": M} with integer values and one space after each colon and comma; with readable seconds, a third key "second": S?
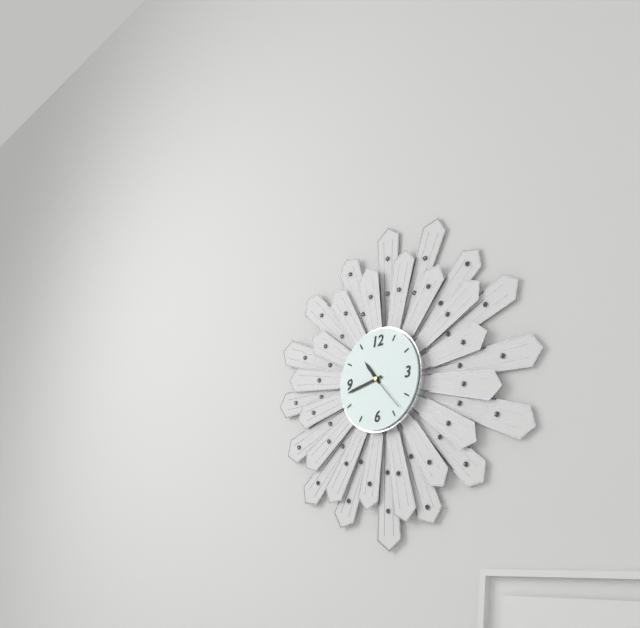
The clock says {"hour": 10, "minute": 43}
